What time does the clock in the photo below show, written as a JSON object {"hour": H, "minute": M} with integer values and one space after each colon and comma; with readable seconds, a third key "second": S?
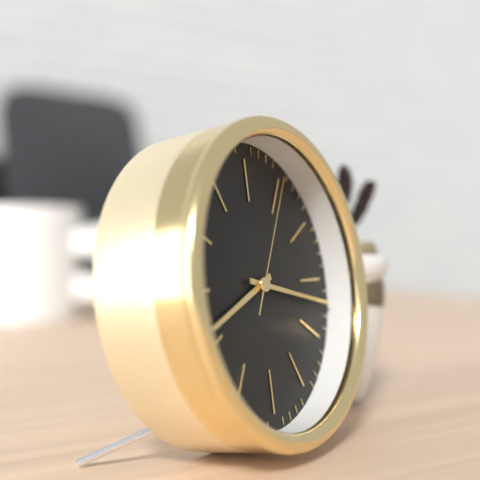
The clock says {"hour": 8, "minute": 17, "second": 5}
